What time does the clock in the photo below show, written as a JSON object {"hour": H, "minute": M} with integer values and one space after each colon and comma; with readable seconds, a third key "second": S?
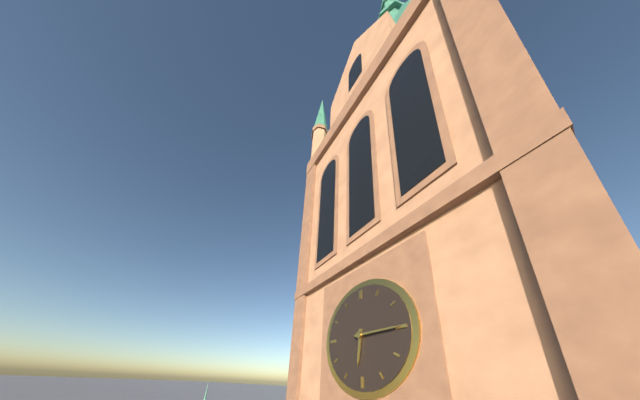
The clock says {"hour": 6, "minute": 15}
